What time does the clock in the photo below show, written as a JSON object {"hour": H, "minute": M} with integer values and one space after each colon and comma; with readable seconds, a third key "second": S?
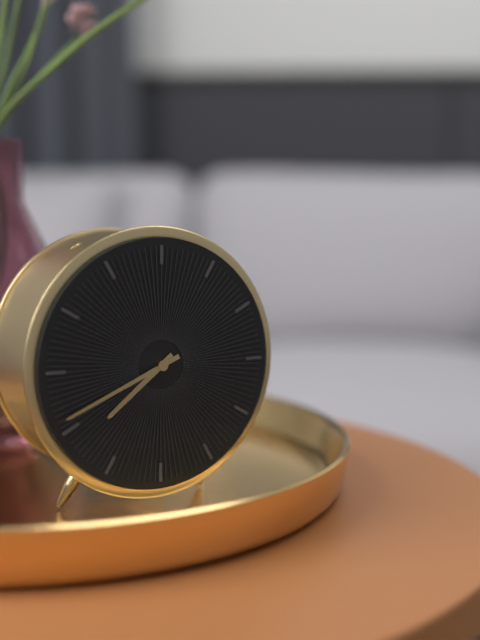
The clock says {"hour": 7, "minute": 41}
